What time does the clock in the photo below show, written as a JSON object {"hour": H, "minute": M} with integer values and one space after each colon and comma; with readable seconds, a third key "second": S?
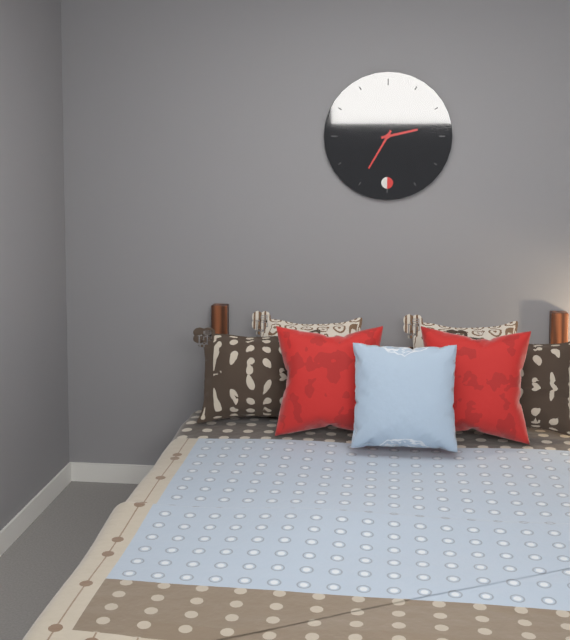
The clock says {"hour": 2, "minute": 35}
